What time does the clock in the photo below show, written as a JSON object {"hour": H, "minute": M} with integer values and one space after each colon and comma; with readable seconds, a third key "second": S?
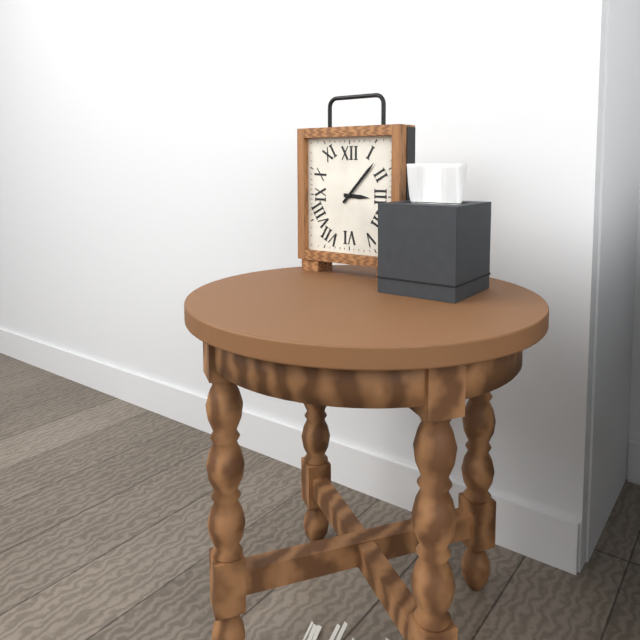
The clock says {"hour": 3, "minute": 7}
